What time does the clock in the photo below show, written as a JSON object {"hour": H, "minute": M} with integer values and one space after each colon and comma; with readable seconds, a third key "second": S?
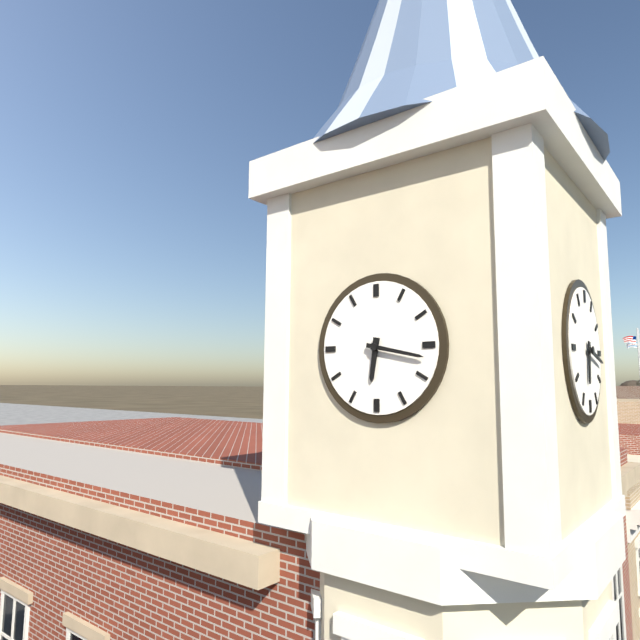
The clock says {"hour": 6, "minute": 17}
